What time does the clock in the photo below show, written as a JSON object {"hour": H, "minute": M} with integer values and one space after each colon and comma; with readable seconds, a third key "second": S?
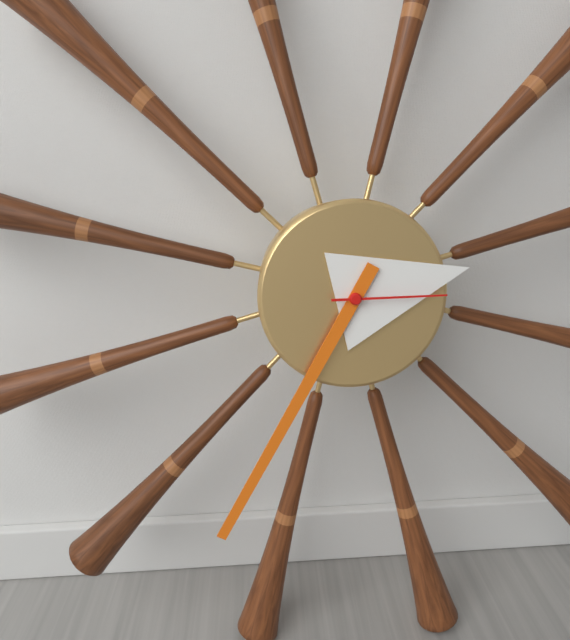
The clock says {"hour": 2, "minute": 35, "second": 15}
